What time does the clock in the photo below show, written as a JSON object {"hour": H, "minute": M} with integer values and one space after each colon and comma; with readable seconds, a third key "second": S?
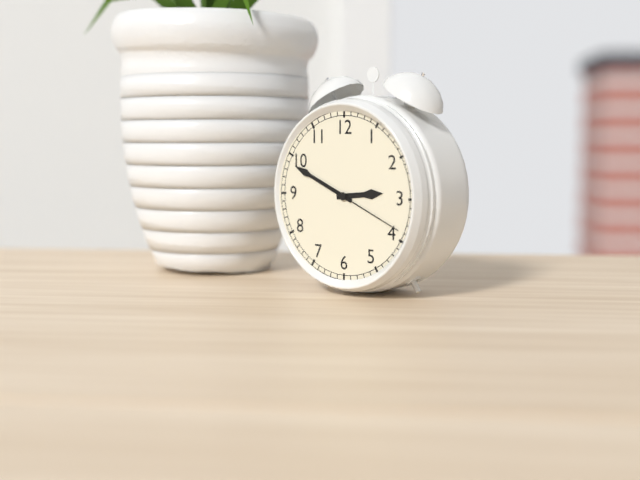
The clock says {"hour": 2, "minute": 49, "second": 19}
